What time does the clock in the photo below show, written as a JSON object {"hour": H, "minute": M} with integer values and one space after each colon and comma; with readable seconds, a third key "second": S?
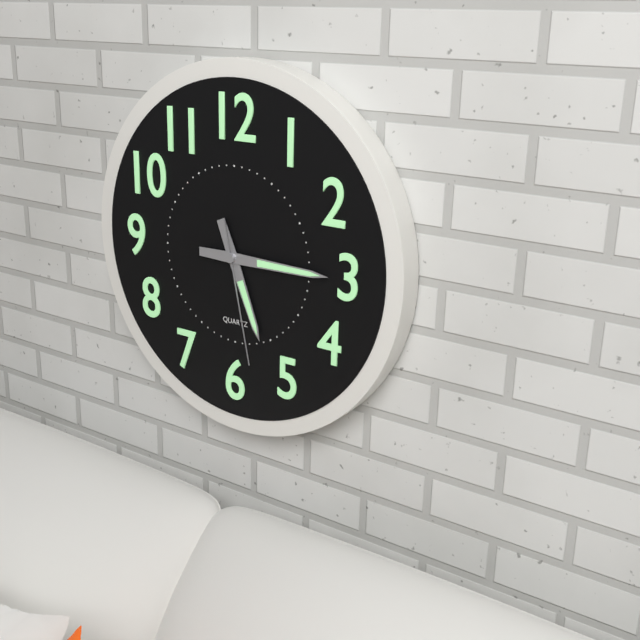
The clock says {"hour": 5, "minute": 15, "second": 28}
